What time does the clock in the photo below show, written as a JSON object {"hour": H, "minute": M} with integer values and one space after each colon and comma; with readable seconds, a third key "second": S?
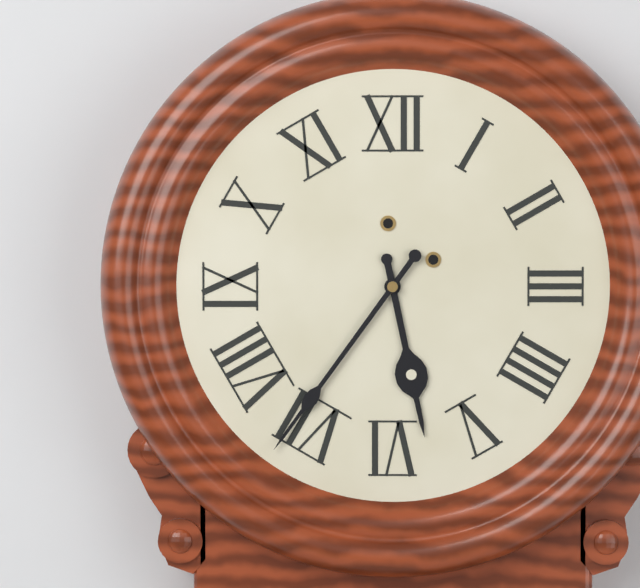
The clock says {"hour": 5, "minute": 36}
